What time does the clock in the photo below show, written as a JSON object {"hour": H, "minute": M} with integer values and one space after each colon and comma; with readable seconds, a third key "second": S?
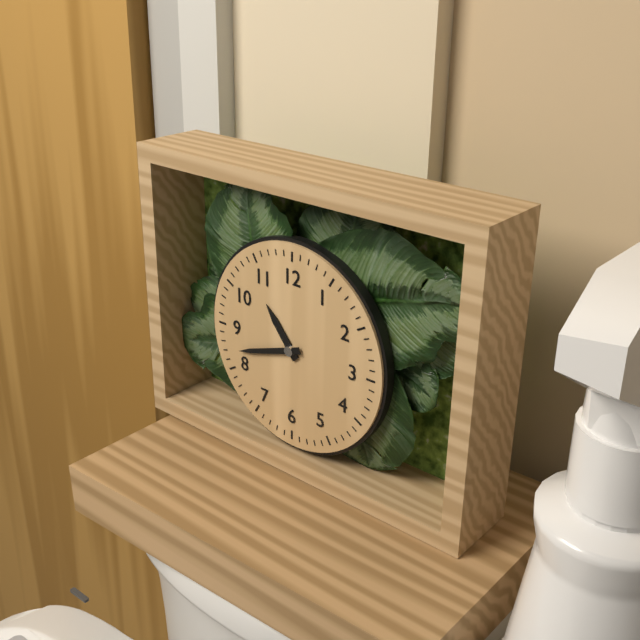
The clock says {"hour": 10, "minute": 42}
